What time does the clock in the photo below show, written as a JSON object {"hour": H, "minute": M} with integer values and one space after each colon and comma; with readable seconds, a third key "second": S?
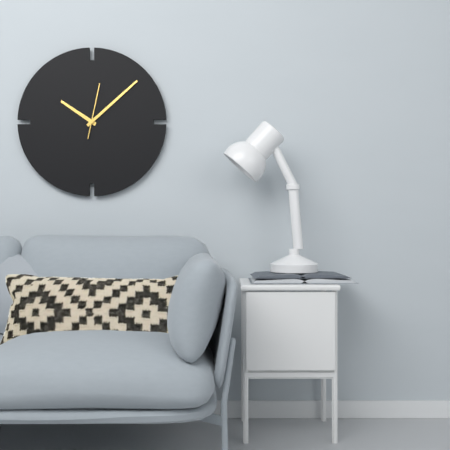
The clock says {"hour": 10, "minute": 8}
